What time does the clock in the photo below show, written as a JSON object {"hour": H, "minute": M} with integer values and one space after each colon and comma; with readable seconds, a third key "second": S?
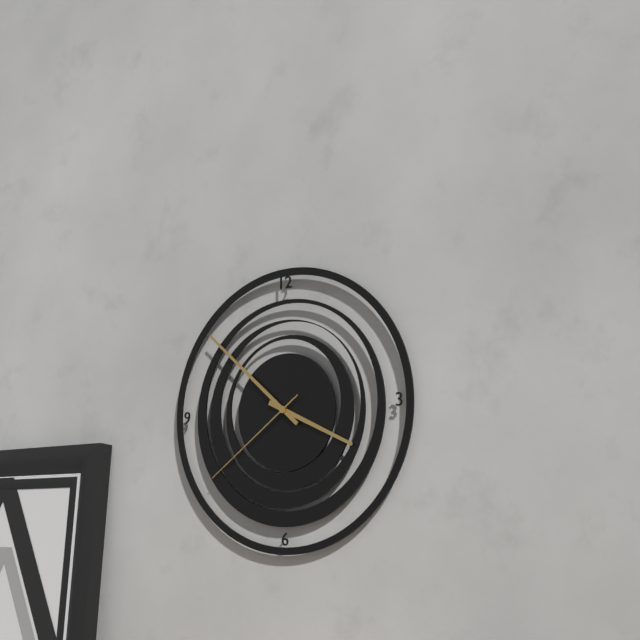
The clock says {"hour": 3, "minute": 52, "second": 39}
